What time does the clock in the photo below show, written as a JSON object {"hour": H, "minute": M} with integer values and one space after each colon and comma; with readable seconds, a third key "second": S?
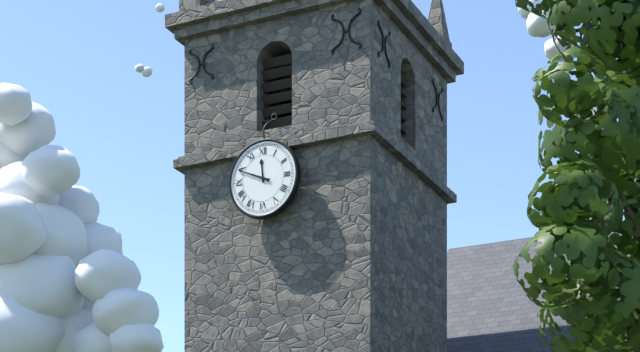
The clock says {"hour": 11, "minute": 49}
